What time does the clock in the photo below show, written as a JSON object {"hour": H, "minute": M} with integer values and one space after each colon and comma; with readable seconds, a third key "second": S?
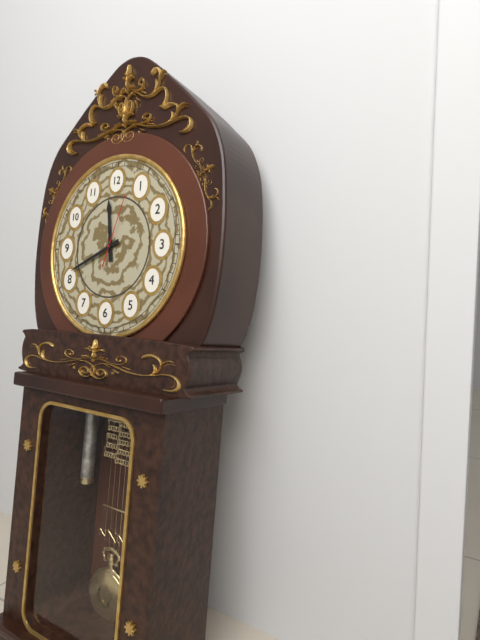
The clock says {"hour": 11, "minute": 41, "second": 3}
